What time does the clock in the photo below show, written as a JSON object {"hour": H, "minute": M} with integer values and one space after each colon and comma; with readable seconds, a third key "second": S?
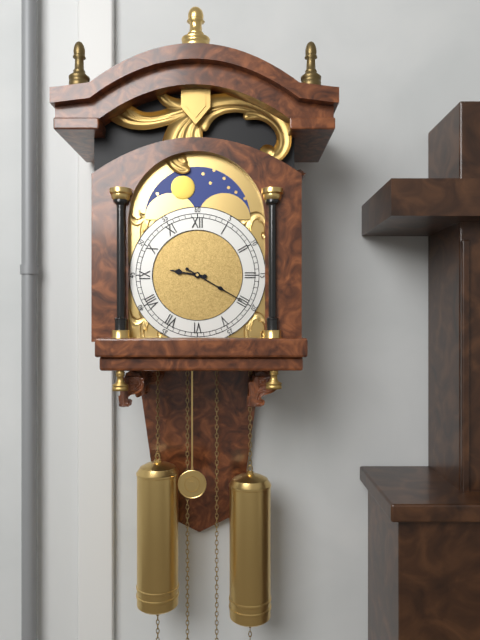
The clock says {"hour": 9, "minute": 20}
